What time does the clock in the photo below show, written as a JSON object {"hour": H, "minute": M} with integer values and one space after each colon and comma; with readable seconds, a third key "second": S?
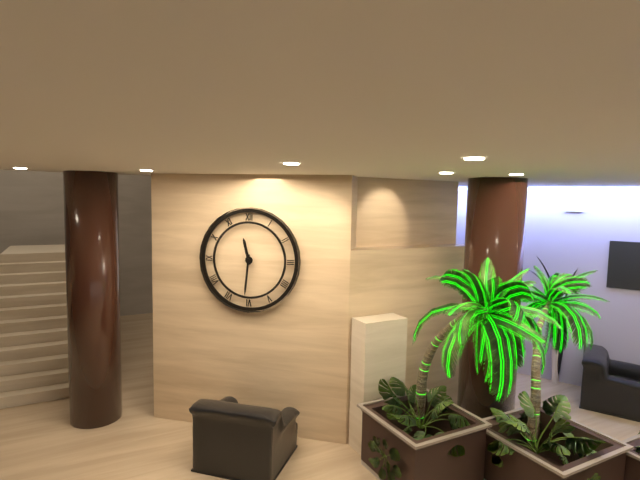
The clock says {"hour": 11, "minute": 31}
